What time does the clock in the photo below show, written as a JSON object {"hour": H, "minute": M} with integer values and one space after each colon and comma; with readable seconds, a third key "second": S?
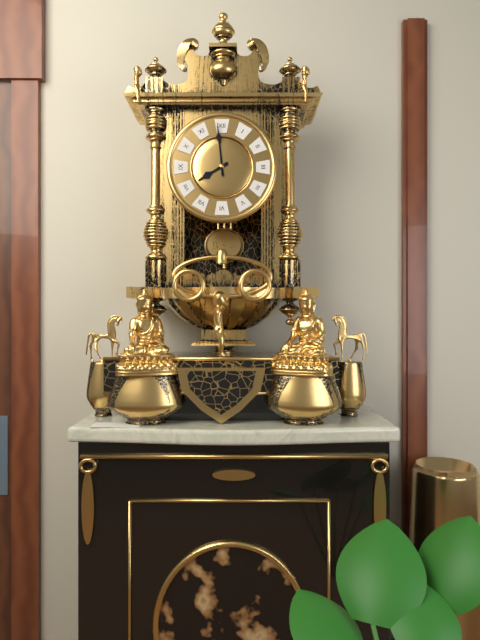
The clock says {"hour": 7, "minute": 59}
